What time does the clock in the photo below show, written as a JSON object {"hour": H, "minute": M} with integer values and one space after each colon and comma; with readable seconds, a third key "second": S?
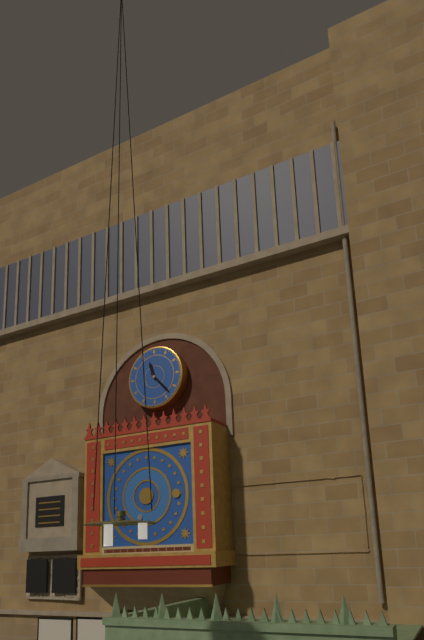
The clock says {"hour": 11, "minute": 23}
